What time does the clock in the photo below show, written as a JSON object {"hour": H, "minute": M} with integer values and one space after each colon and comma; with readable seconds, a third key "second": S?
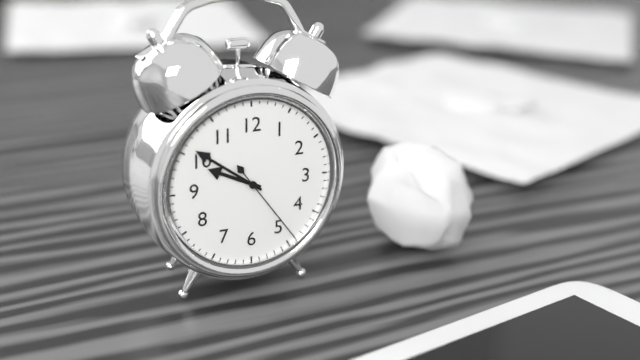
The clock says {"hour": 9, "minute": 51, "second": 24}
